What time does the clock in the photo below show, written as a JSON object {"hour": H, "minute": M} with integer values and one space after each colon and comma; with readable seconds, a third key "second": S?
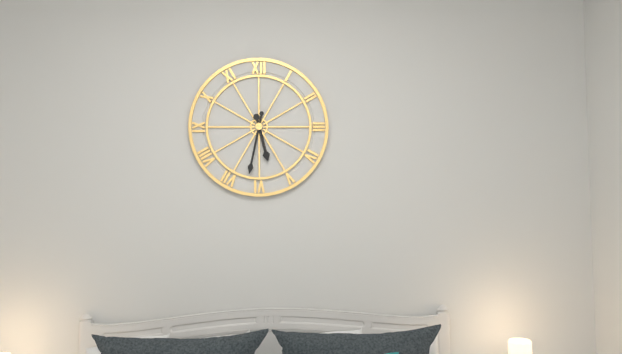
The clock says {"hour": 5, "minute": 32}
